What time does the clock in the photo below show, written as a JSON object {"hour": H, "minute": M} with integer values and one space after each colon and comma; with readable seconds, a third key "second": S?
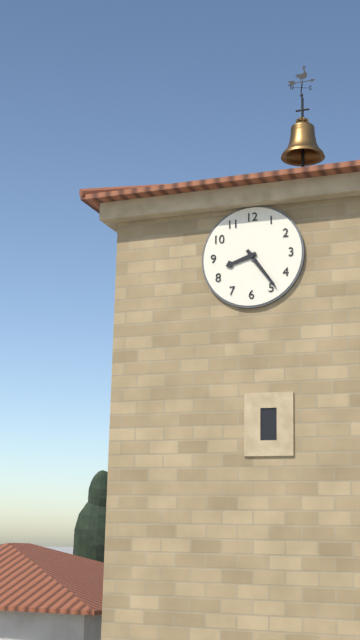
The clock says {"hour": 8, "minute": 24}
